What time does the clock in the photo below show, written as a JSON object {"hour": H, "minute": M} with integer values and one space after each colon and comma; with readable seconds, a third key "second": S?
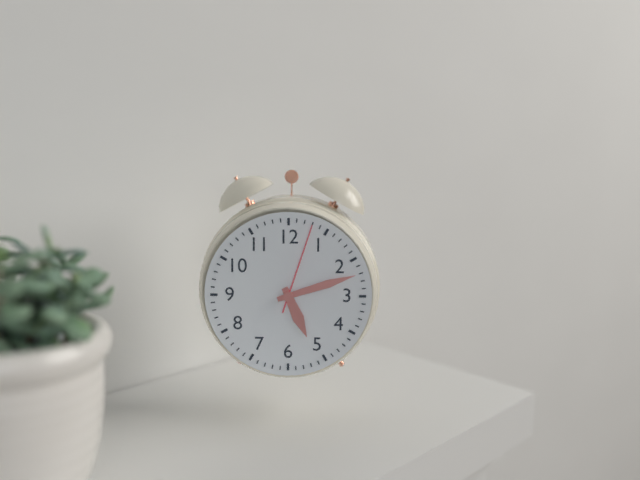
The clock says {"hour": 5, "minute": 12, "second": 3}
